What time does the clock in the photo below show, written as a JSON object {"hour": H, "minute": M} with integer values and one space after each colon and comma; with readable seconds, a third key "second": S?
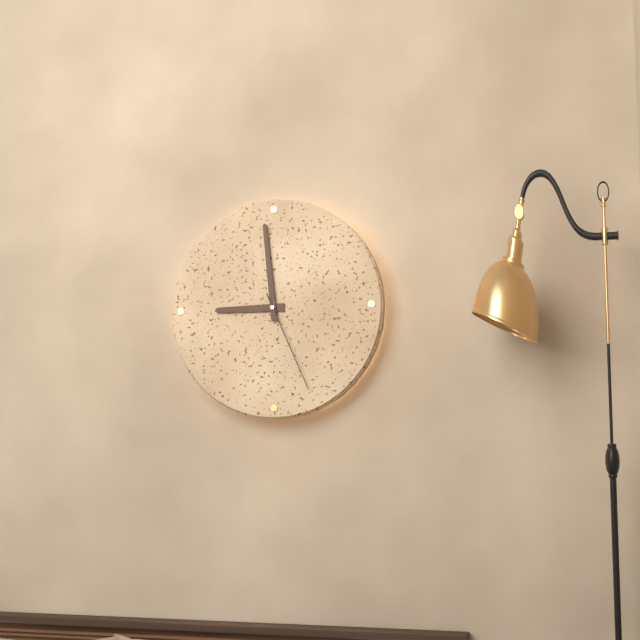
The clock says {"hour": 8, "minute": 59, "second": 26}
